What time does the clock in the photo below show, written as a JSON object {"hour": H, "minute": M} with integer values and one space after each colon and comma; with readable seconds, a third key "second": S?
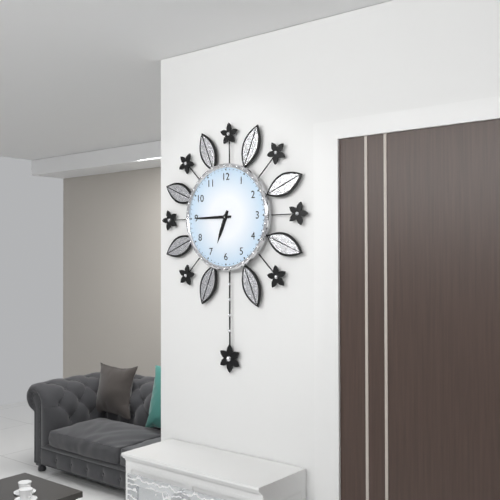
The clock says {"hour": 6, "minute": 45}
